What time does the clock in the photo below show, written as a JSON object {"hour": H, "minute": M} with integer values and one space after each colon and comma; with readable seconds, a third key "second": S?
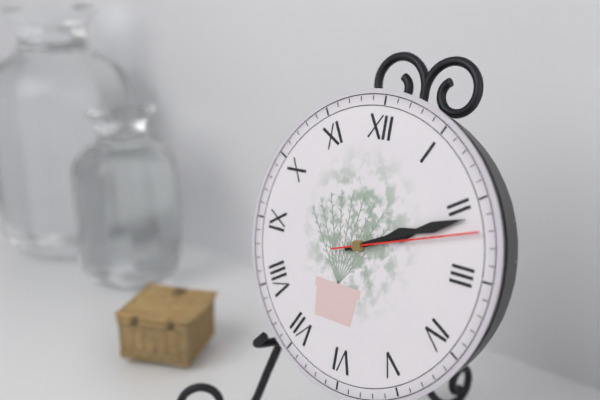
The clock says {"hour": 2, "minute": 11, "second": 12}
